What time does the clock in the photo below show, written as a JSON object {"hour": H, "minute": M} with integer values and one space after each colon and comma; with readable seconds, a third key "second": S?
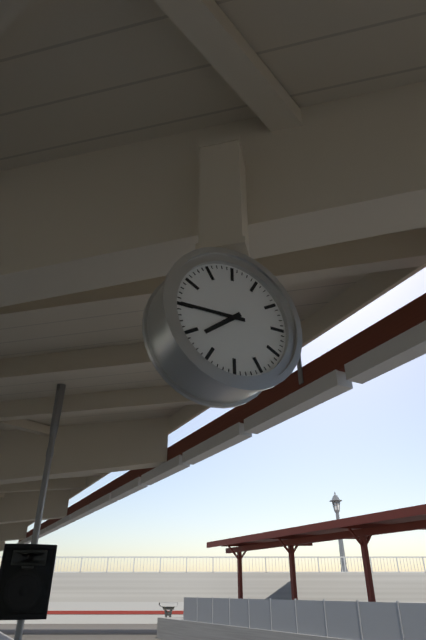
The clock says {"hour": 7, "minute": 45}
